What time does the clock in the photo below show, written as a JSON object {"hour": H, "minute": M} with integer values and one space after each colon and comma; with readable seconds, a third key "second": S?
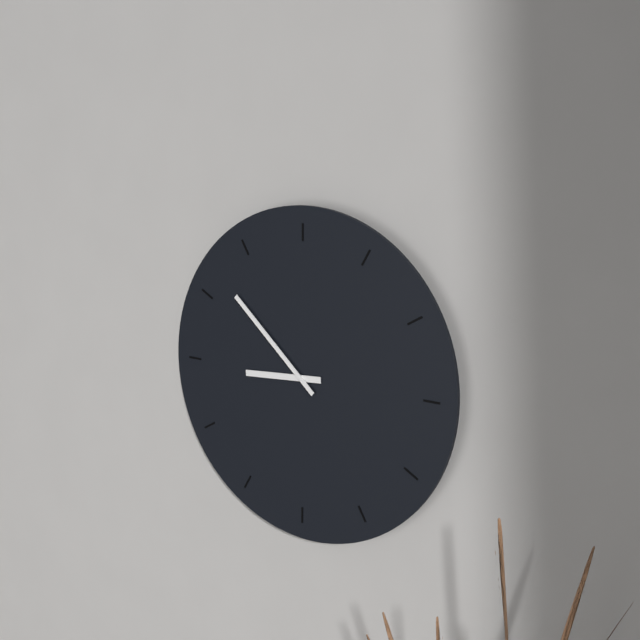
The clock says {"hour": 8, "minute": 52}
